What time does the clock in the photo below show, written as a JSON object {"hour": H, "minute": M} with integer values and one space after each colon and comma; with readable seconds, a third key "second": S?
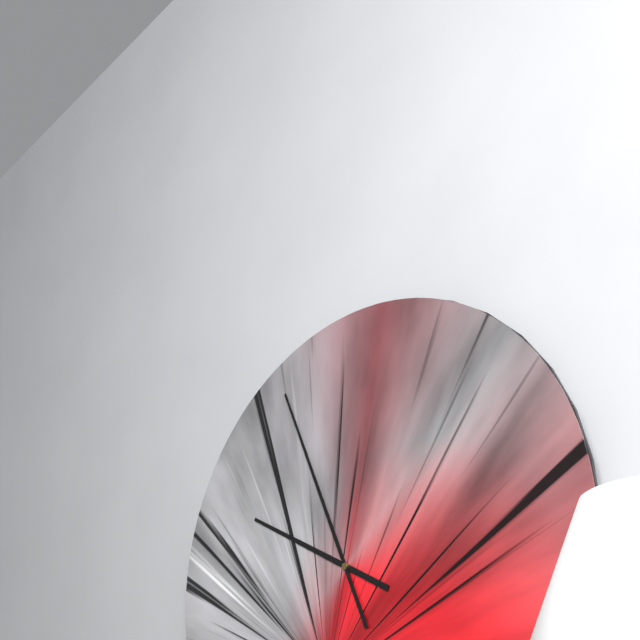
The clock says {"hour": 9, "minute": 56}
